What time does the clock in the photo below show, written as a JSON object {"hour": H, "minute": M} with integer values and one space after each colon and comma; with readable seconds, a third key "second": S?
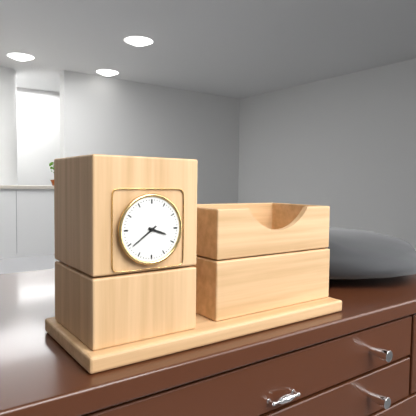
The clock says {"hour": 3, "minute": 39}
